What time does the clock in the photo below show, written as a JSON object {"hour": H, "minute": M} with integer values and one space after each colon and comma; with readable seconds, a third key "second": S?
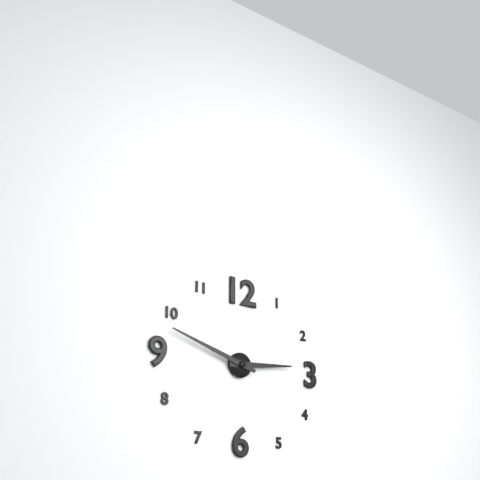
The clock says {"hour": 2, "minute": 48}
